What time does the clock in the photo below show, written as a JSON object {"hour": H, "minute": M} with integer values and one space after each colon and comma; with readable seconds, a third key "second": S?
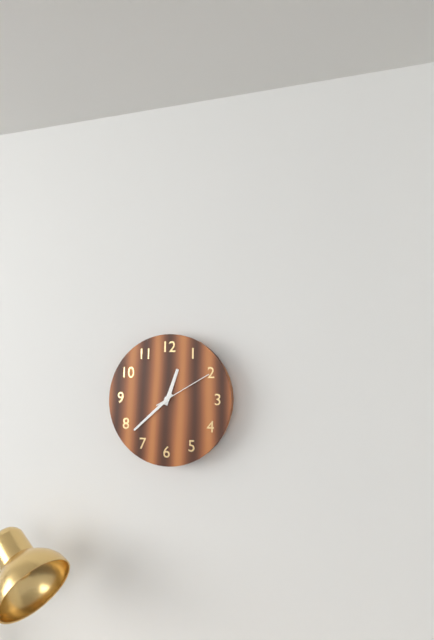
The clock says {"hour": 12, "minute": 38, "second": 10}
